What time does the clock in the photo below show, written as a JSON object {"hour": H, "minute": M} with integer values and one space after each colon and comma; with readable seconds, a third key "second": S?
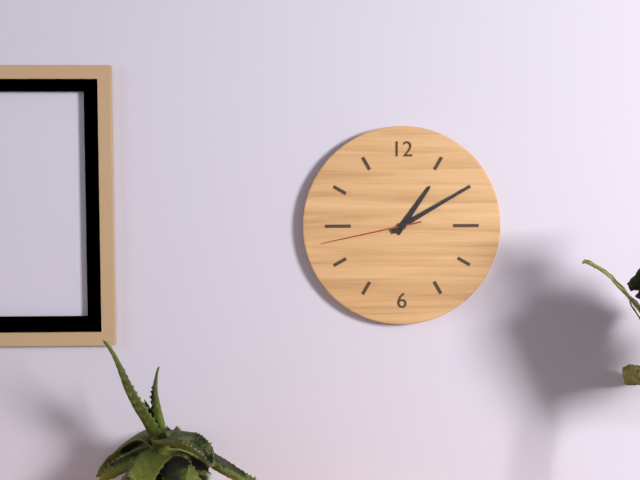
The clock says {"hour": 1, "minute": 10, "second": 43}
